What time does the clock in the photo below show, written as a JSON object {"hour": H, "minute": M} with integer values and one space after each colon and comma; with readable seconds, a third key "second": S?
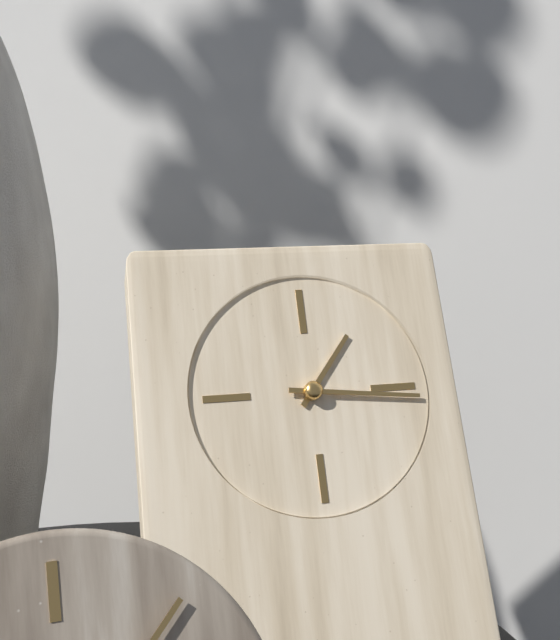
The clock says {"hour": 1, "minute": 16}
